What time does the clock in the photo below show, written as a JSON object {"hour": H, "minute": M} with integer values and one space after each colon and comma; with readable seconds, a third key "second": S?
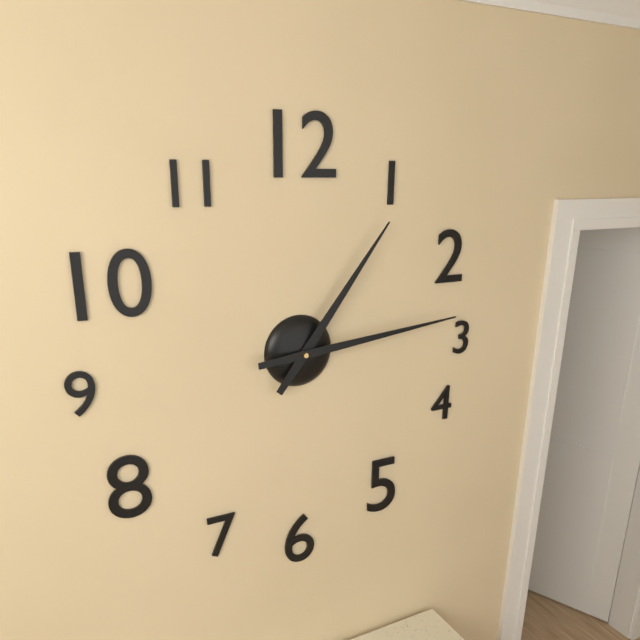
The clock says {"hour": 1, "minute": 14}
